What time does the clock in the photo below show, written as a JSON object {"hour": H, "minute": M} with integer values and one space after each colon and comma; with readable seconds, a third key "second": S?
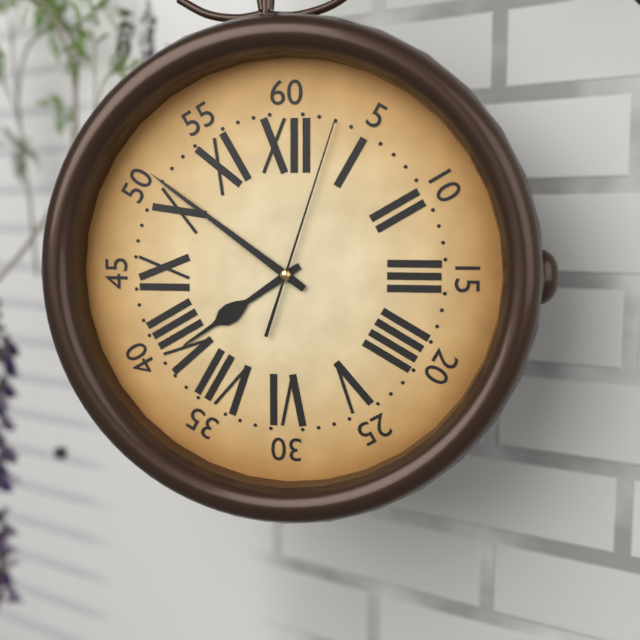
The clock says {"hour": 7, "minute": 51, "second": 3}
